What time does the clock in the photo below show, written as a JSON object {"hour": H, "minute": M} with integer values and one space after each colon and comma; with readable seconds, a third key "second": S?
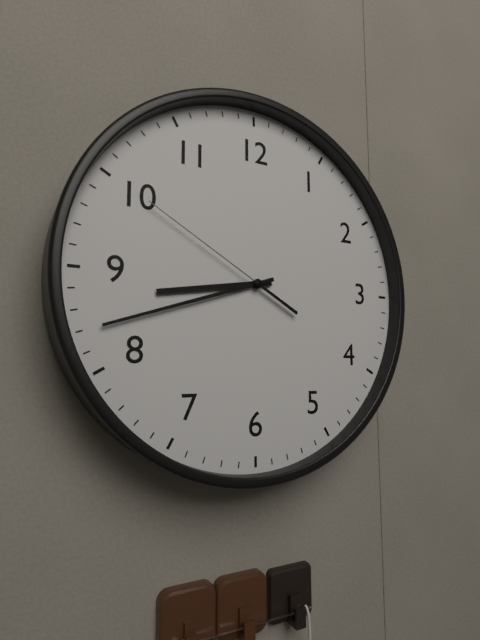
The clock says {"hour": 8, "minute": 42, "second": 50}
